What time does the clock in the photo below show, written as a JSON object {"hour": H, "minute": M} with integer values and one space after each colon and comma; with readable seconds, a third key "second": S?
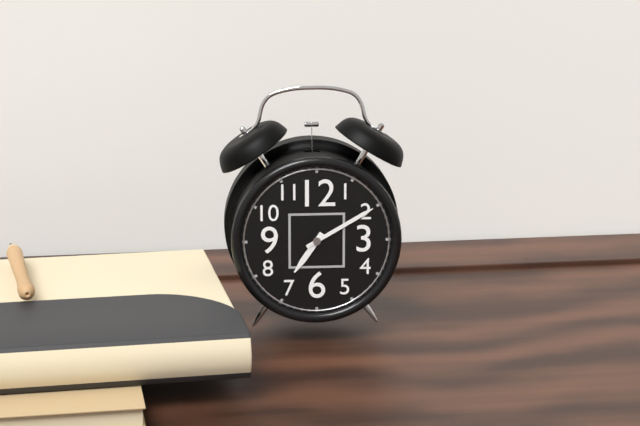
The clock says {"hour": 7, "minute": 10}
